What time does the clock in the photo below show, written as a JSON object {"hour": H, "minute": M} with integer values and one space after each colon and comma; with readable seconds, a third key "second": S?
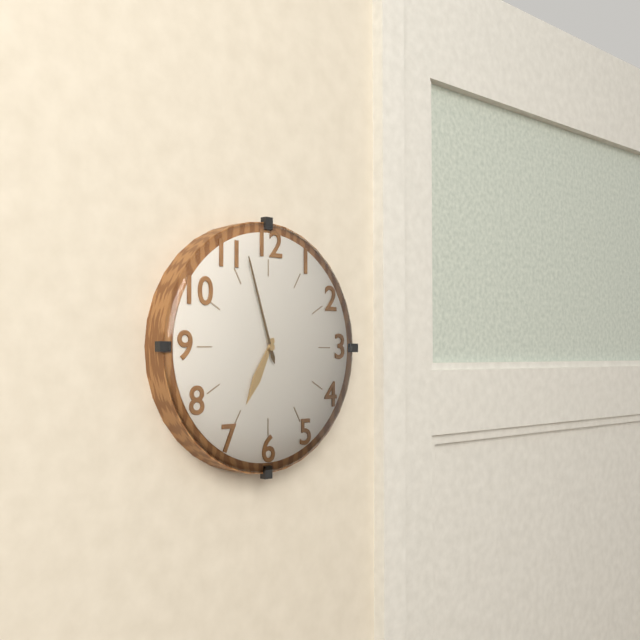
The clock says {"hour": 6, "minute": 57}
